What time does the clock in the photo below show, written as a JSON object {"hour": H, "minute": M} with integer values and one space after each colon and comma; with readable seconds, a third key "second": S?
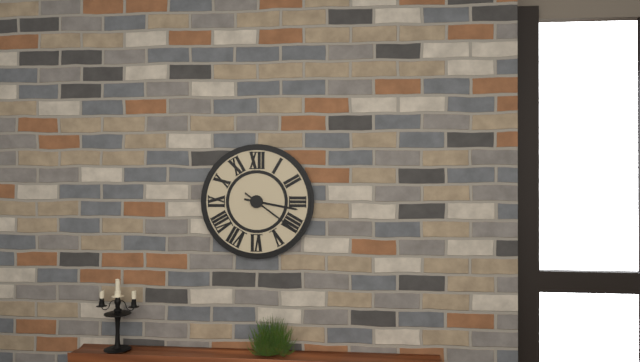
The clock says {"hour": 3, "minute": 21}
